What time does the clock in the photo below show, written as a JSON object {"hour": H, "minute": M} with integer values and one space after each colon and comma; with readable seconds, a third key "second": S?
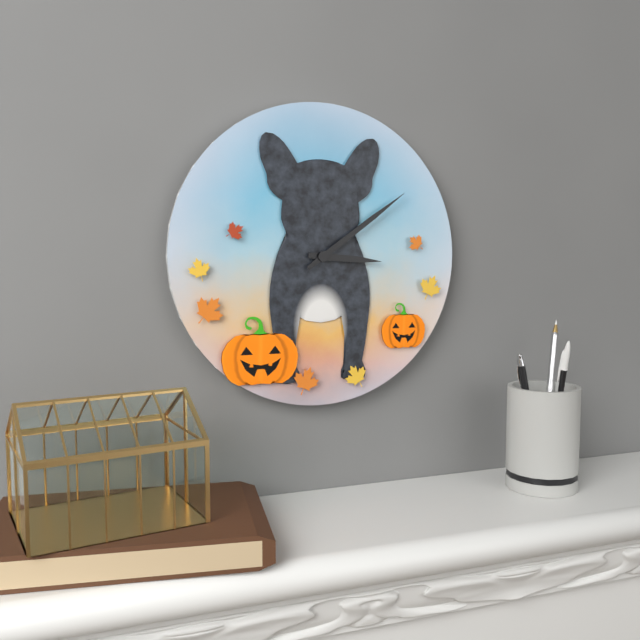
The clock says {"hour": 3, "minute": 9}
